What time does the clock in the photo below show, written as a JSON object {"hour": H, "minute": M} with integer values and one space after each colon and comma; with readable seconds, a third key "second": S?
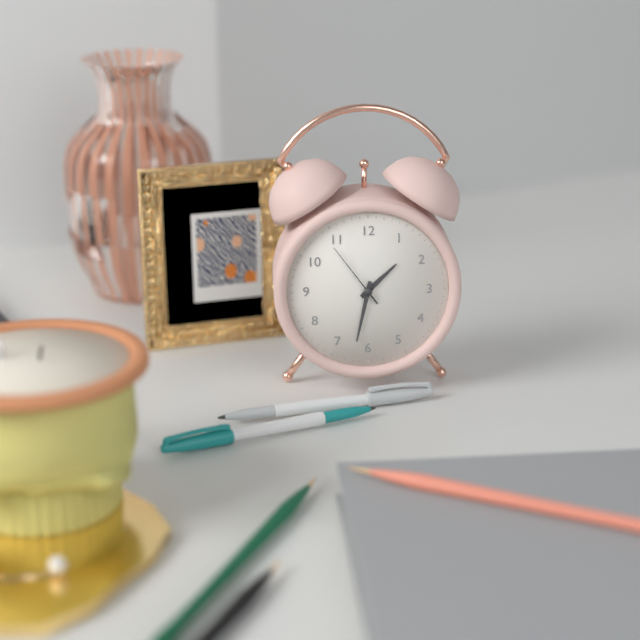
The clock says {"hour": 1, "minute": 32, "second": 54}
